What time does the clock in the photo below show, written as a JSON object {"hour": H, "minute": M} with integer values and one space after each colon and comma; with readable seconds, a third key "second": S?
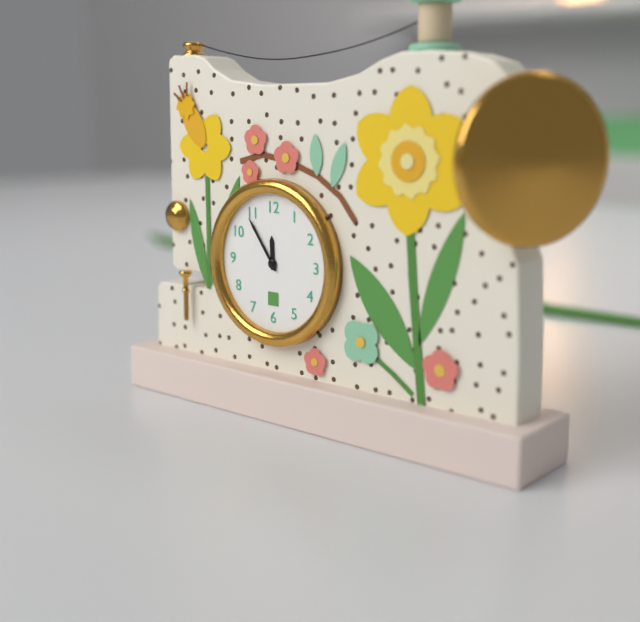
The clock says {"hour": 11, "minute": 54}
